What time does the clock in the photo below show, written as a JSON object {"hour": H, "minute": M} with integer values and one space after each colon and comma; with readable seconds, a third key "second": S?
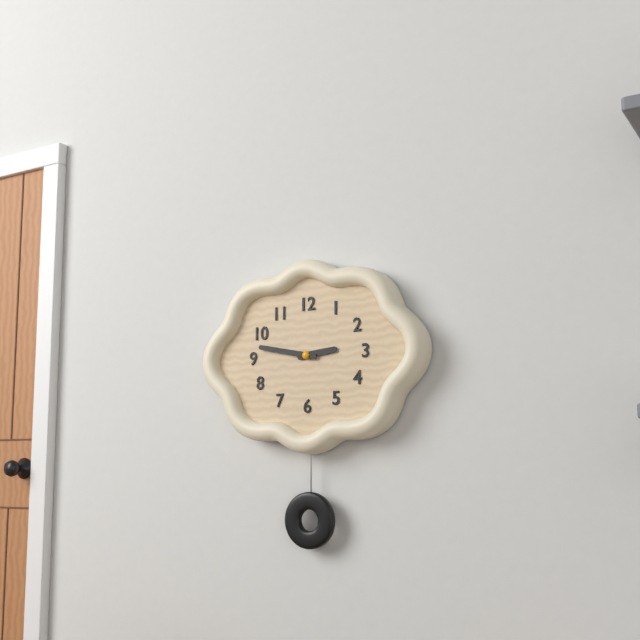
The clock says {"hour": 2, "minute": 47}
